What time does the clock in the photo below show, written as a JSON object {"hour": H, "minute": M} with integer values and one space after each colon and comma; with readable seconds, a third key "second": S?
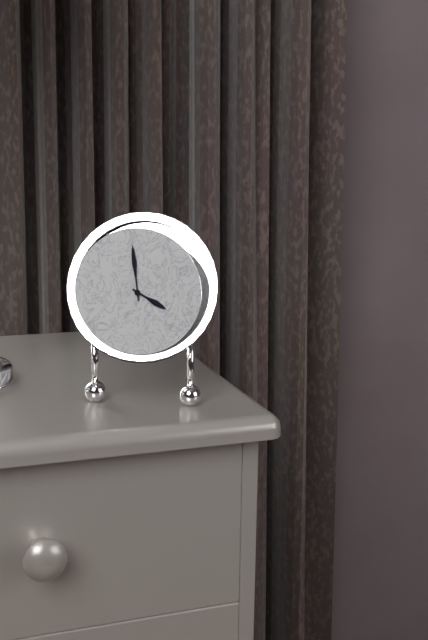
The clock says {"hour": 3, "minute": 59}
